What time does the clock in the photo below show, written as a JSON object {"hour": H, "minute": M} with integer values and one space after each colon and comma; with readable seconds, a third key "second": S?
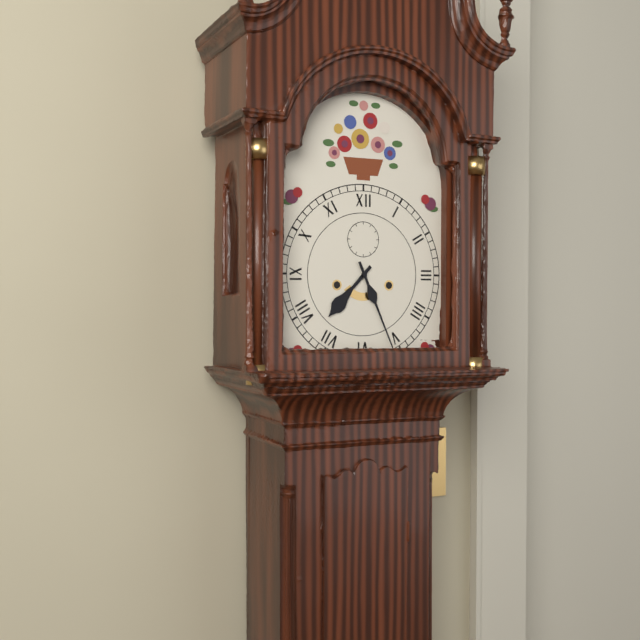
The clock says {"hour": 7, "minute": 26}
